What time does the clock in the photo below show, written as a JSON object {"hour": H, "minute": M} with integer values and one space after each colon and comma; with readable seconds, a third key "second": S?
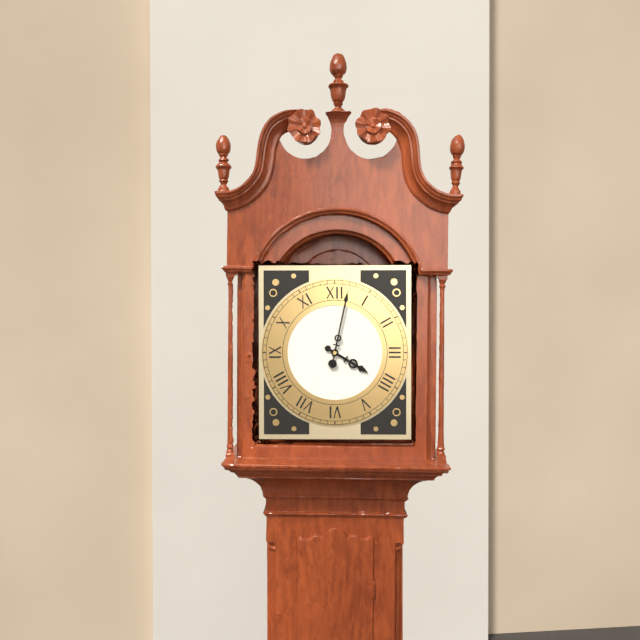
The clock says {"hour": 4, "minute": 2}
